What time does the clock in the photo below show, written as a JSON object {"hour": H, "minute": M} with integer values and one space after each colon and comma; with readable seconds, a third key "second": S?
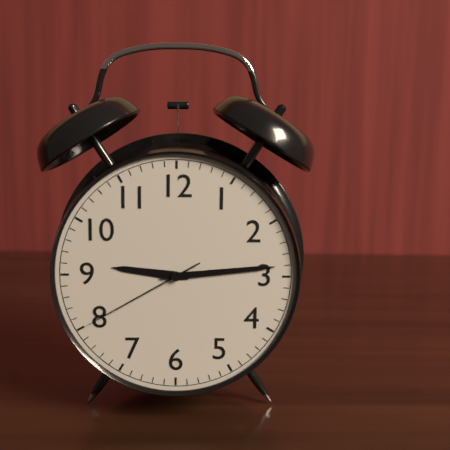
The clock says {"hour": 9, "minute": 14, "second": 40}
